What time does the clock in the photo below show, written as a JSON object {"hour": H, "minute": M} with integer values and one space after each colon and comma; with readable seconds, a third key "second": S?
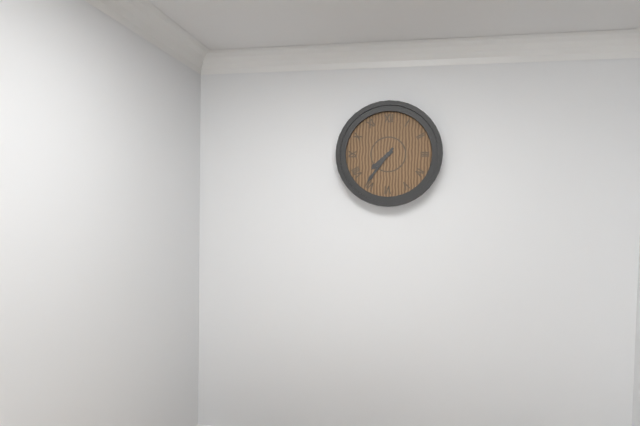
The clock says {"hour": 7, "minute": 36}
